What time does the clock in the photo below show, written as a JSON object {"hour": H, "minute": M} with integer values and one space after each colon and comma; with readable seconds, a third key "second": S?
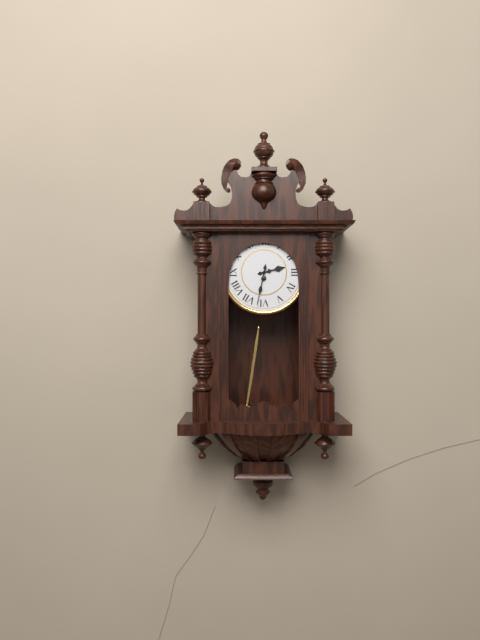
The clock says {"hour": 2, "minute": 32}
